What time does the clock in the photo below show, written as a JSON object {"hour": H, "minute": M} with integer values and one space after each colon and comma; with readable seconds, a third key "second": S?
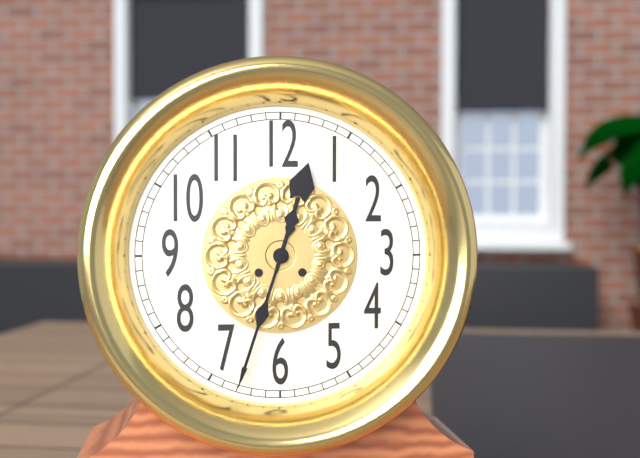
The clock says {"hour": 12, "minute": 33}
